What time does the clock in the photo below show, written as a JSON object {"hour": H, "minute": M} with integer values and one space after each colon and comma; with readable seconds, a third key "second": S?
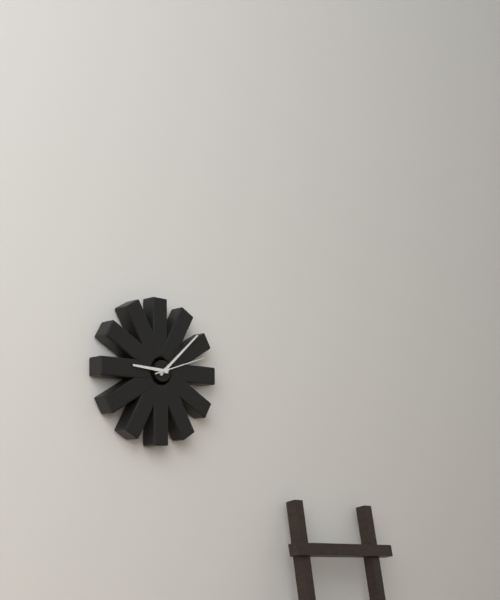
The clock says {"hour": 9, "minute": 8, "second": 12}
